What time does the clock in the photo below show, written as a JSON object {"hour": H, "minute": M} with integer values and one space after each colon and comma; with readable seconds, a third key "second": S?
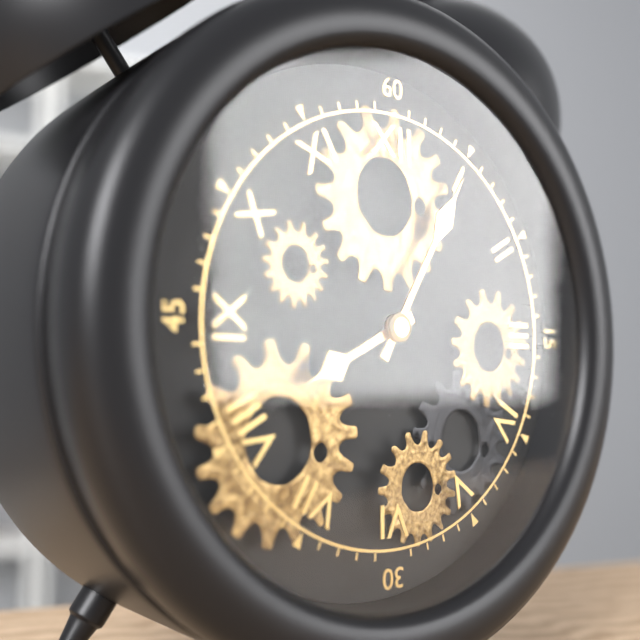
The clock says {"hour": 8, "minute": 5}
